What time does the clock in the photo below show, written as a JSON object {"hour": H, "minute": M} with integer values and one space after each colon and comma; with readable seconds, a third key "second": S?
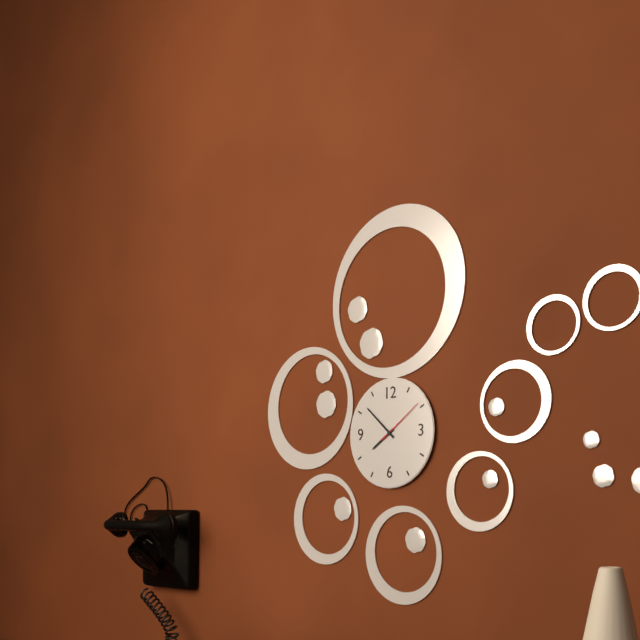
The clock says {"hour": 7, "minute": 52}
